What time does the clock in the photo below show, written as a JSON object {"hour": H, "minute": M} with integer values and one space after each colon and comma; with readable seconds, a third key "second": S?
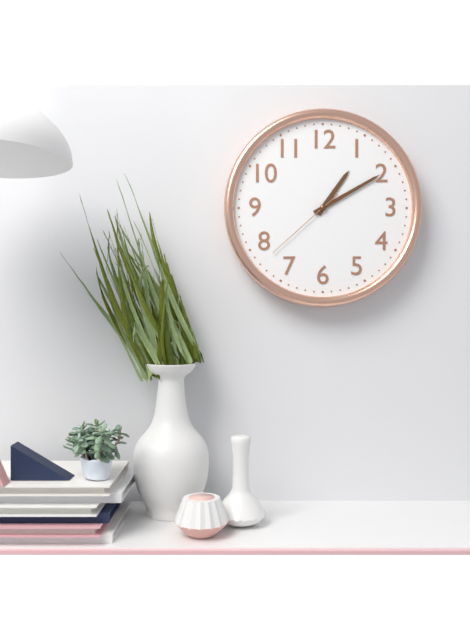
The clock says {"hour": 1, "minute": 10, "second": 38}
